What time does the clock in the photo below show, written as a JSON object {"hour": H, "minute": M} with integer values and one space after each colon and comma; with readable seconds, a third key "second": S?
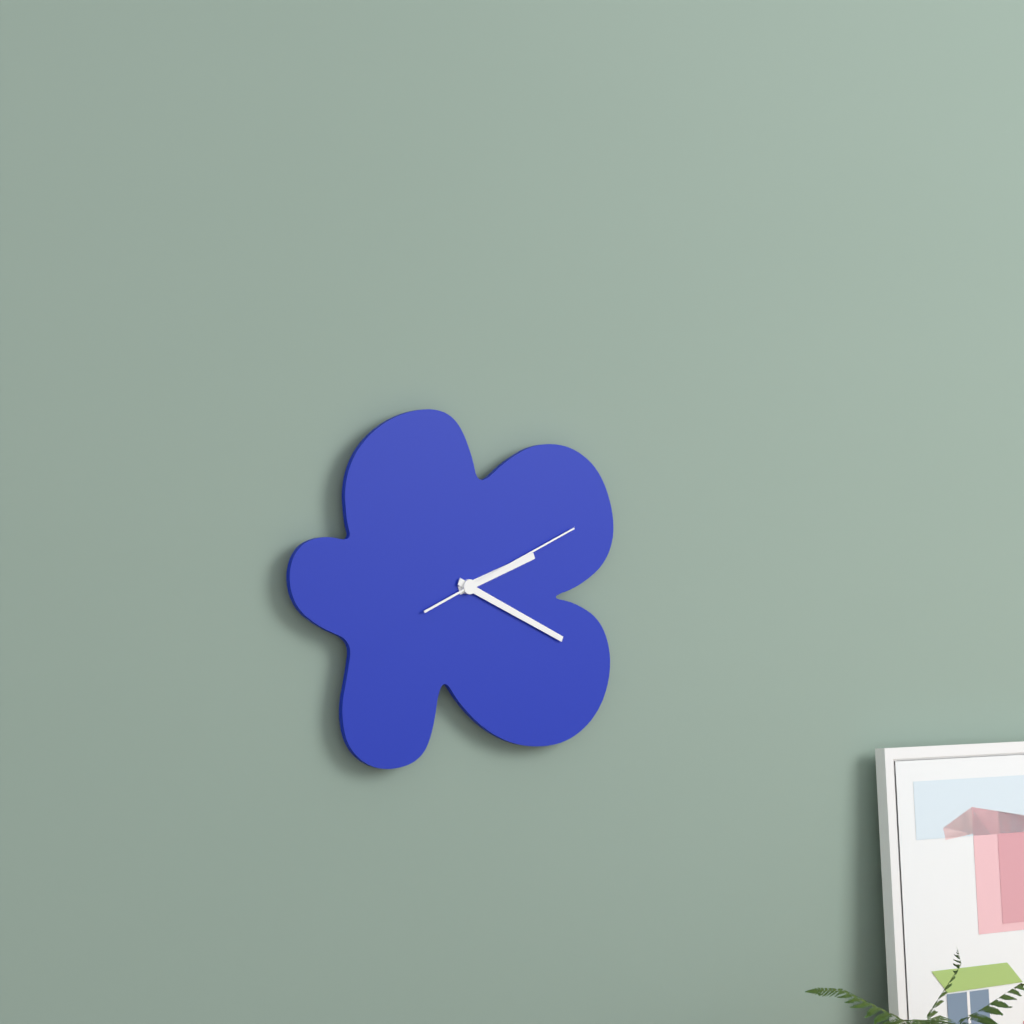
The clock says {"hour": 2, "minute": 19, "second": 11}
